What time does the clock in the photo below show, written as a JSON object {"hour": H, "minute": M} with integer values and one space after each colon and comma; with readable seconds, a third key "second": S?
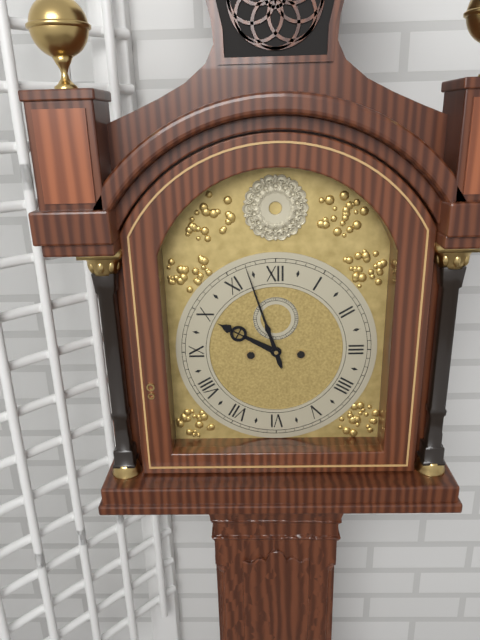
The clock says {"hour": 9, "minute": 57}
